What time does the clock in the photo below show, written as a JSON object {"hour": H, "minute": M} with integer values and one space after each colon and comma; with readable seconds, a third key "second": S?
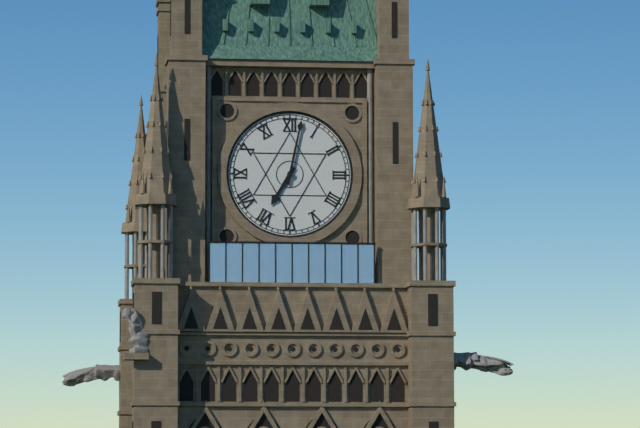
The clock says {"hour": 7, "minute": 2}
